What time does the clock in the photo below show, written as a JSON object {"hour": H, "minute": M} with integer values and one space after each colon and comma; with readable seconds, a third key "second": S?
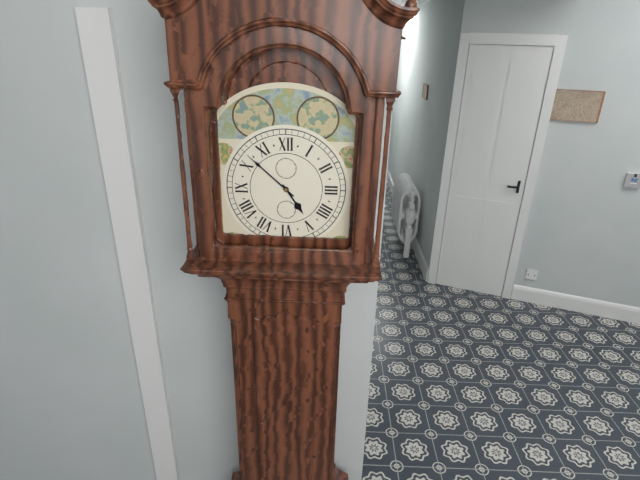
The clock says {"hour": 4, "minute": 52}
